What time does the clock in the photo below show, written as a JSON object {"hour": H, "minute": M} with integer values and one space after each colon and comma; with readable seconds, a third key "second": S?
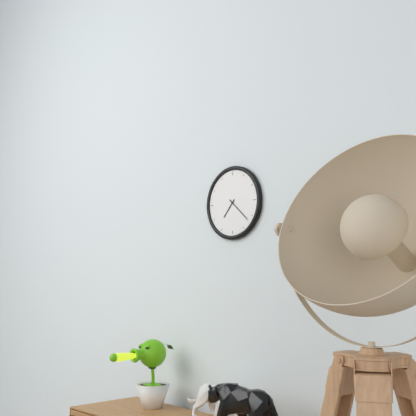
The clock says {"hour": 7, "minute": 22}
